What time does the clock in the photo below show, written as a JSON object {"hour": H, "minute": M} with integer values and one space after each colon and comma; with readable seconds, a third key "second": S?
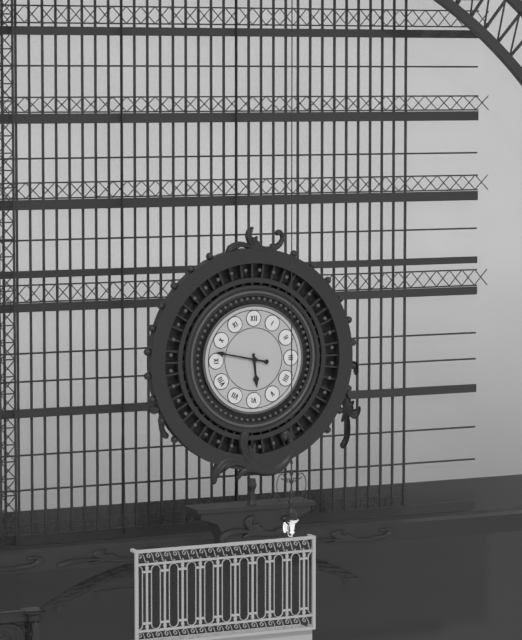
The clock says {"hour": 5, "minute": 47}
